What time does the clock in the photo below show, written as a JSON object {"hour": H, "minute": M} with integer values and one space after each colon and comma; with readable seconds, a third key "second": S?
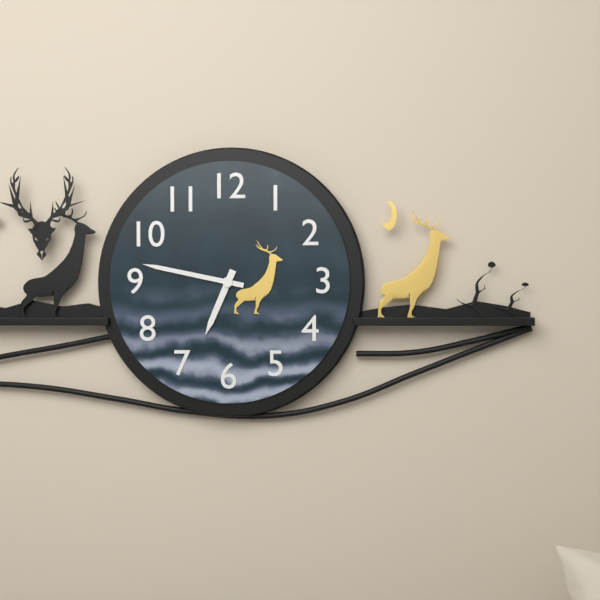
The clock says {"hour": 6, "minute": 47}
